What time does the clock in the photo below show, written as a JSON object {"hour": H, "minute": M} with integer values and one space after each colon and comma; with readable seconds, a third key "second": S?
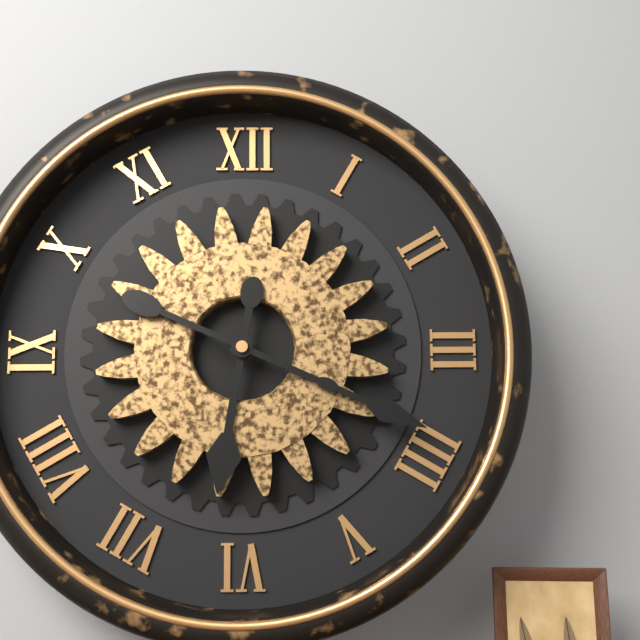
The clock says {"hour": 6, "minute": 19}
